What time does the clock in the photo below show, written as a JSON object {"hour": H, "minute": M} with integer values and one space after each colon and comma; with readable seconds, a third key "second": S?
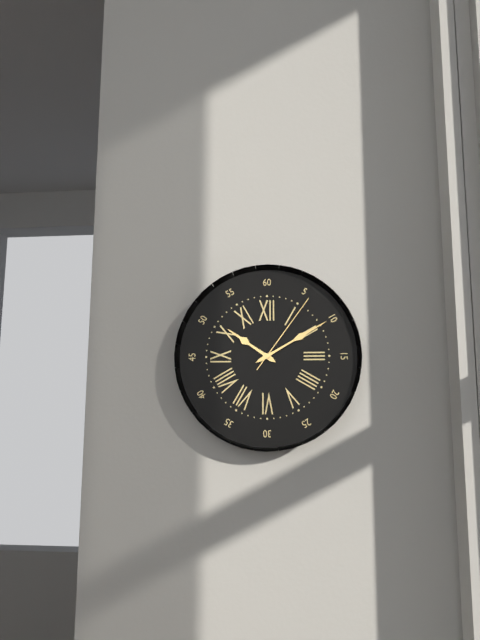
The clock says {"hour": 10, "minute": 10, "second": 6}
